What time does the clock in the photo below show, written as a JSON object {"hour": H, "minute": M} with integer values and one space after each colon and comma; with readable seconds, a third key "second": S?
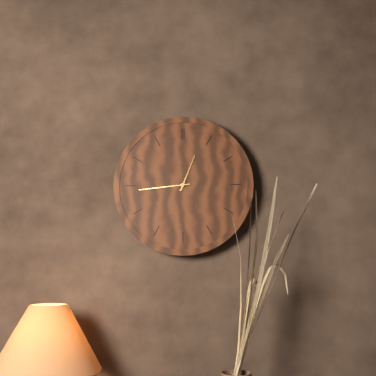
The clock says {"hour": 12, "minute": 44}
